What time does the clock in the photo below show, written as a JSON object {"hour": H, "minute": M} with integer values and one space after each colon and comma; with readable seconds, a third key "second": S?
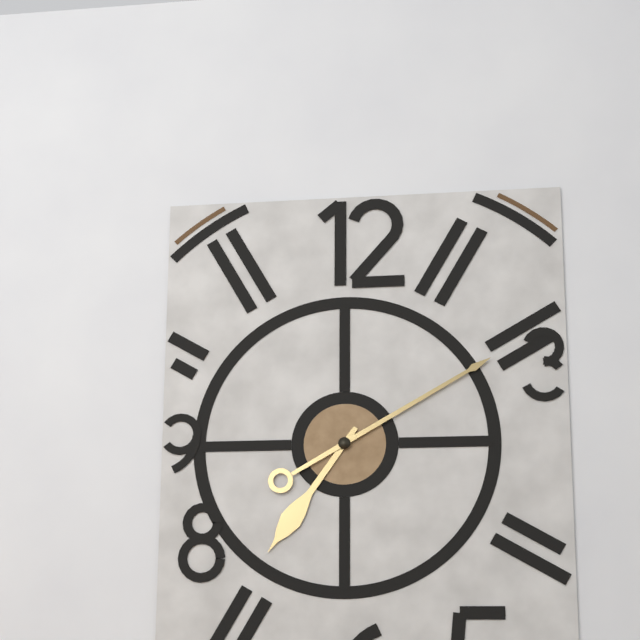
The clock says {"hour": 7, "minute": 10}
